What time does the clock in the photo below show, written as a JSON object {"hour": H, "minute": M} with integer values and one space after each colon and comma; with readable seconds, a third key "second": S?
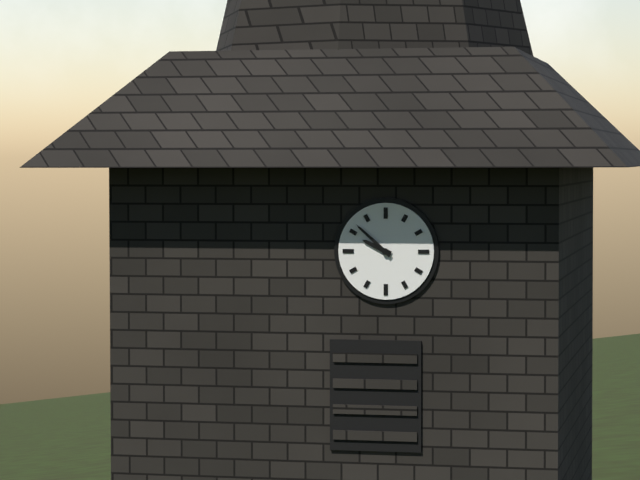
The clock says {"hour": 9, "minute": 52}
